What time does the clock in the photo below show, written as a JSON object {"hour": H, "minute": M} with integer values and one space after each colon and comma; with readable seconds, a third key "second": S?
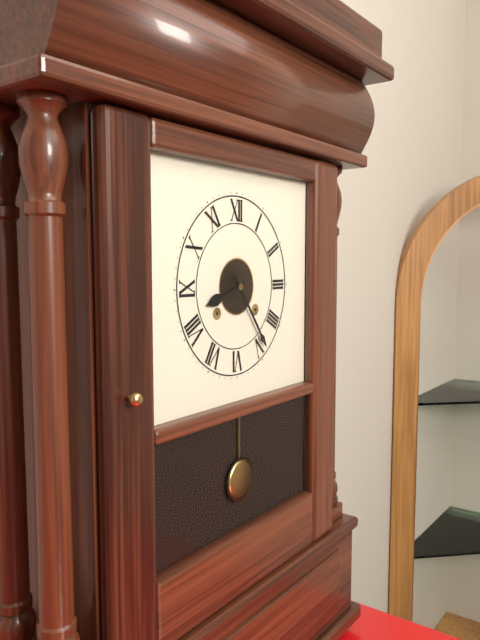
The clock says {"hour": 8, "minute": 24}
